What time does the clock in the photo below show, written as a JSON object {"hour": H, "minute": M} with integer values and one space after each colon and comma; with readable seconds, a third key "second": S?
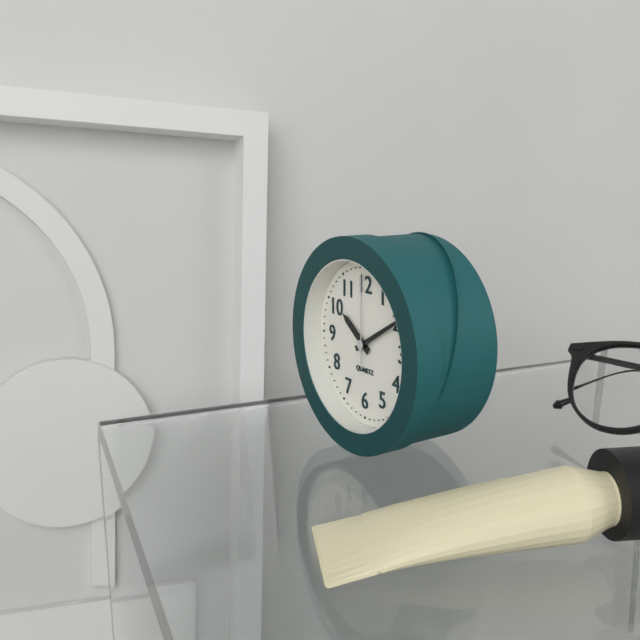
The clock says {"hour": 10, "minute": 10, "second": 0}
